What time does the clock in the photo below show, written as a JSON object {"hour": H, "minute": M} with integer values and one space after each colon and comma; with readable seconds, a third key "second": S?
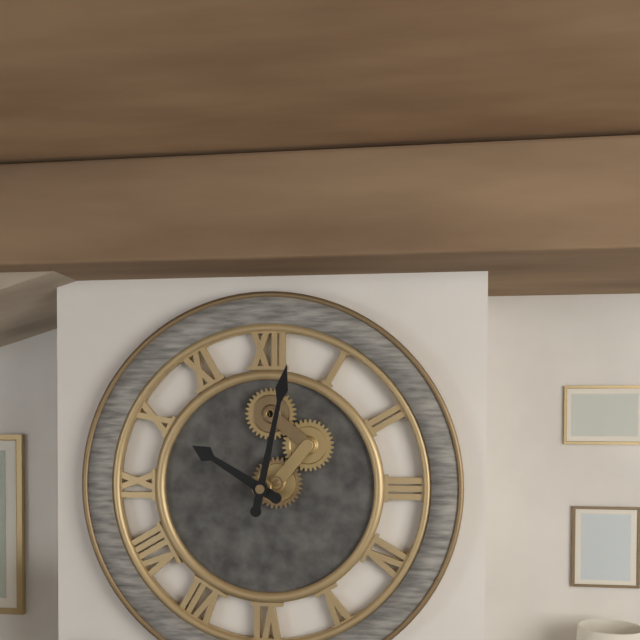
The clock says {"hour": 10, "minute": 2}
